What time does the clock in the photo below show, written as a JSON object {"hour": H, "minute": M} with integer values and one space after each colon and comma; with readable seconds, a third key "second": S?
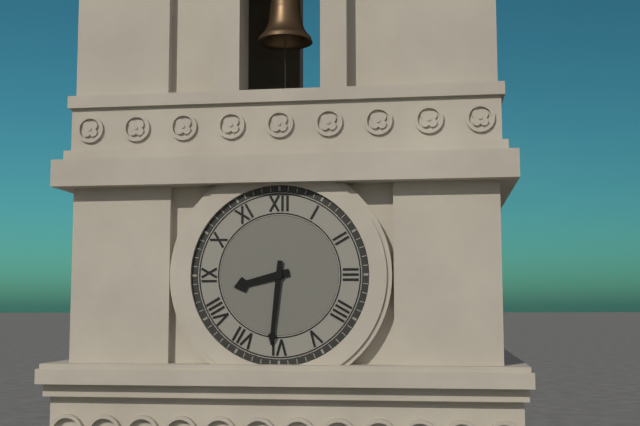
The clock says {"hour": 8, "minute": 31}
